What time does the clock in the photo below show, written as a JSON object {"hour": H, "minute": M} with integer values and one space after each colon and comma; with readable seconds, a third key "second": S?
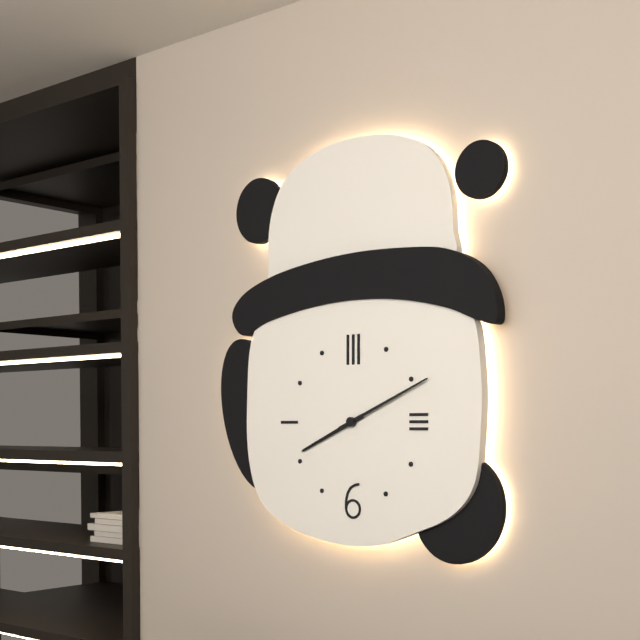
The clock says {"hour": 8, "minute": 11}
